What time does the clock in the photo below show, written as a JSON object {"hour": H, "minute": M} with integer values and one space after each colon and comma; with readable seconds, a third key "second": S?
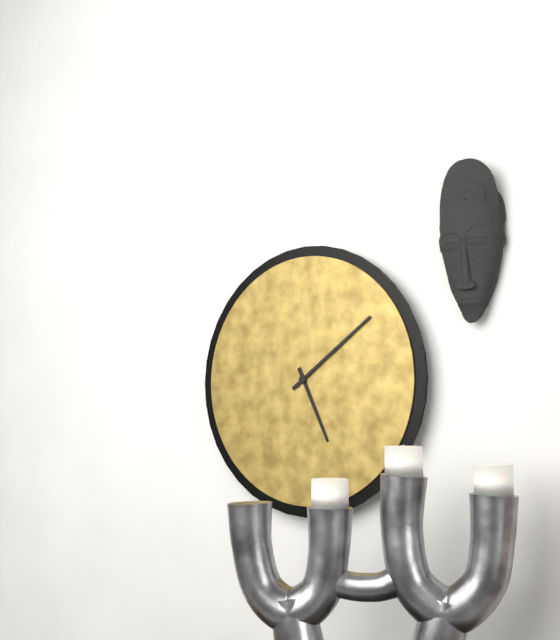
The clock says {"hour": 5, "minute": 9}
